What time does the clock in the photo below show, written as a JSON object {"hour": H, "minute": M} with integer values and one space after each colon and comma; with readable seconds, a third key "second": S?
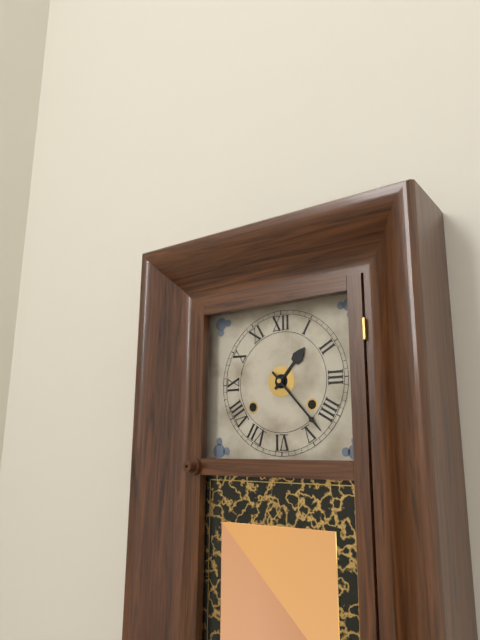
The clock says {"hour": 1, "minute": 23}
